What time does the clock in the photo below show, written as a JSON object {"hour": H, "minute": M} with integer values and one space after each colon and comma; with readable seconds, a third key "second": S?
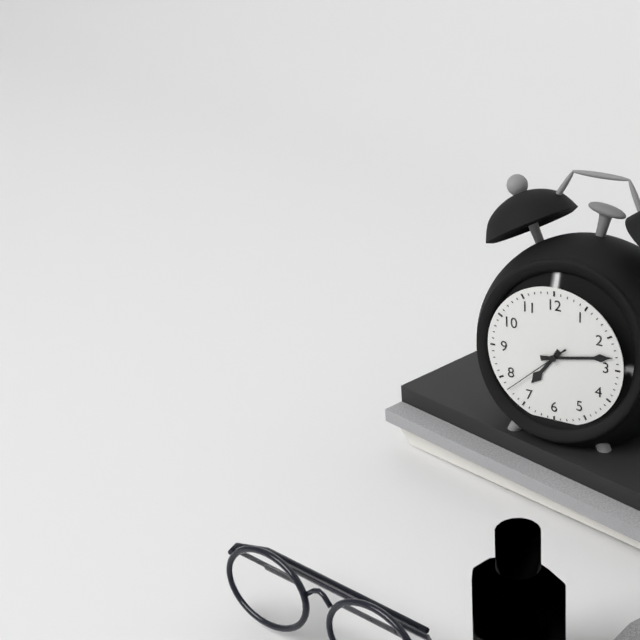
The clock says {"hour": 7, "minute": 13, "second": 38}
